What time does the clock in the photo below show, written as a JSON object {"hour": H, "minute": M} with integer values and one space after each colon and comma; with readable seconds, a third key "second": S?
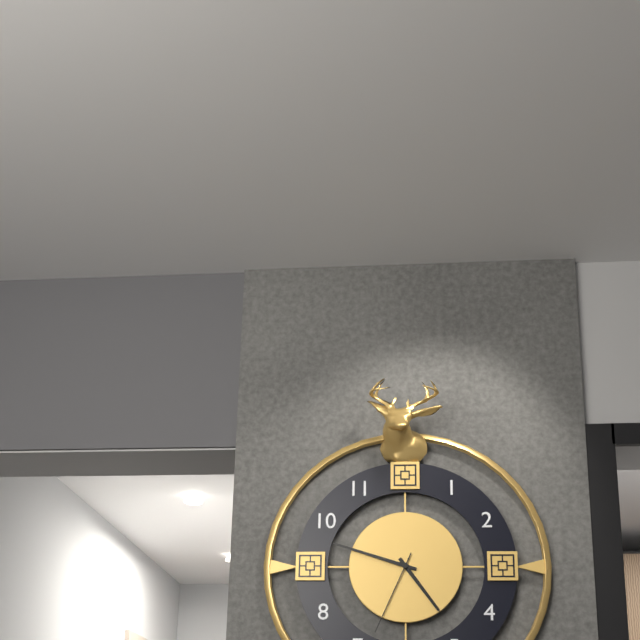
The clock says {"hour": 4, "minute": 48, "second": 34}
